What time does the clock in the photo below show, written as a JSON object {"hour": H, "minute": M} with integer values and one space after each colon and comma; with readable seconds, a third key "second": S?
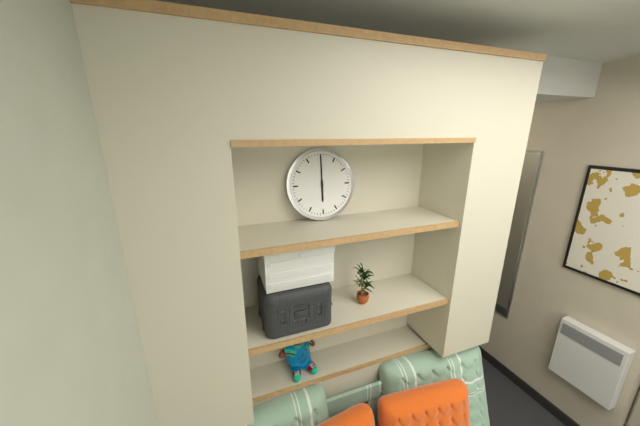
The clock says {"hour": 6, "minute": 0}
